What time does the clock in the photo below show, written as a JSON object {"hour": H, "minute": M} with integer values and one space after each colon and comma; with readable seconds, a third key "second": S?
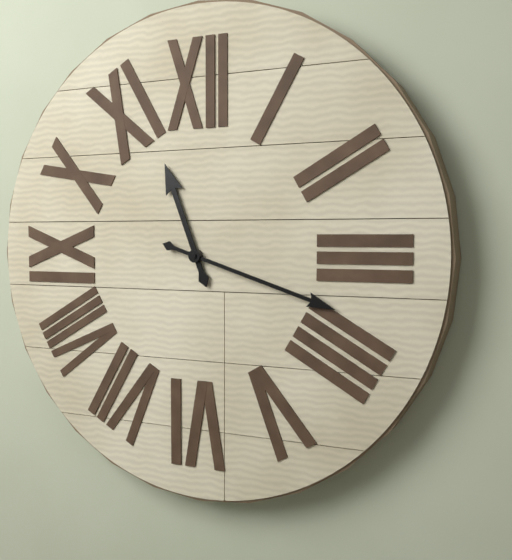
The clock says {"hour": 11, "minute": 18}
